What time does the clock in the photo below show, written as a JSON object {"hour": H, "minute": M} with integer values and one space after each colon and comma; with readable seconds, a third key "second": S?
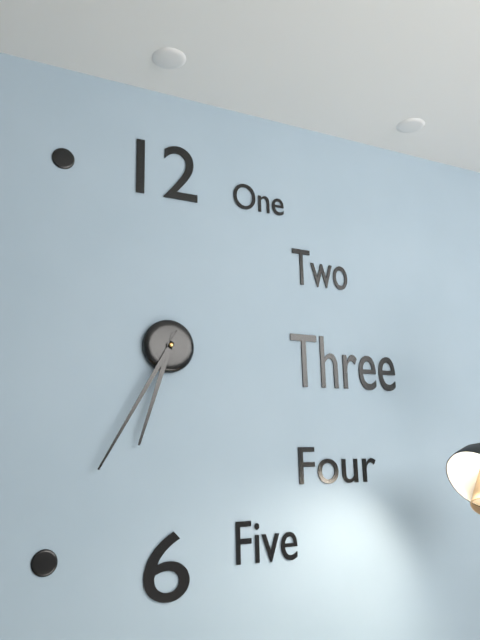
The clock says {"hour": 6, "minute": 35}
